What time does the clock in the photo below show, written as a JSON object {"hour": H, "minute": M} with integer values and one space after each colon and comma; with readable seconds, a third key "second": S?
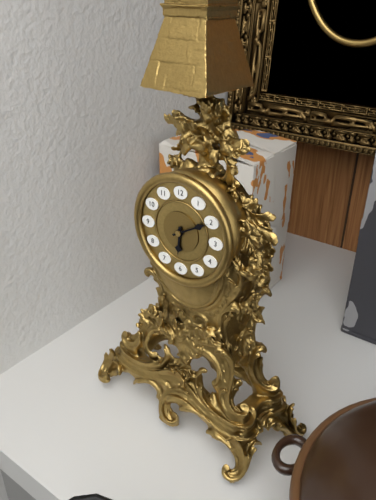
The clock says {"hour": 6, "minute": 10}
